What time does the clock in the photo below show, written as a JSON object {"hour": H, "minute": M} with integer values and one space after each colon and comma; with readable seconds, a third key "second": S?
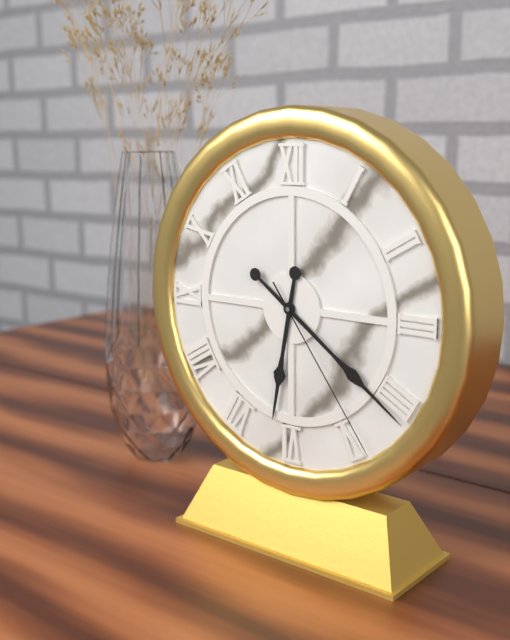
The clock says {"hour": 6, "minute": 21, "second": 24}
